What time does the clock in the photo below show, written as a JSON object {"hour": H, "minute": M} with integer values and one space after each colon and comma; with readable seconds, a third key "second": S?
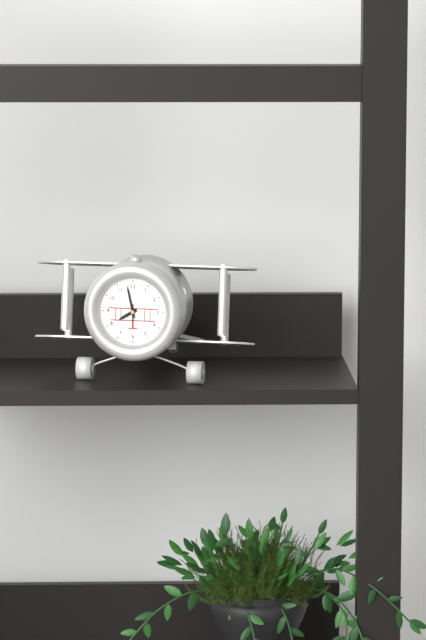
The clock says {"hour": 7, "minute": 58}
